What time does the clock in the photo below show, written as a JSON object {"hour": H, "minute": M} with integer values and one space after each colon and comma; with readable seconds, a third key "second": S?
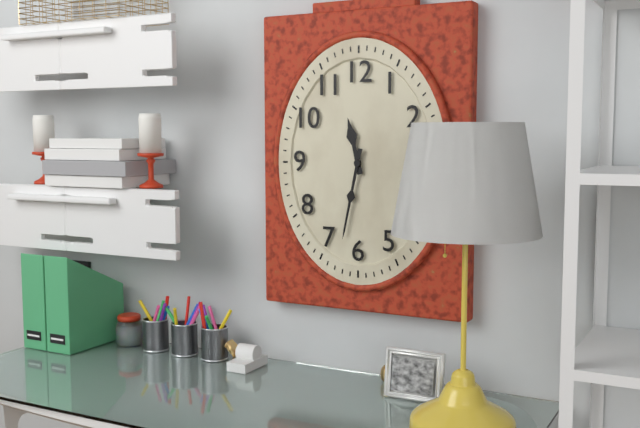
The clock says {"hour": 11, "minute": 32}
